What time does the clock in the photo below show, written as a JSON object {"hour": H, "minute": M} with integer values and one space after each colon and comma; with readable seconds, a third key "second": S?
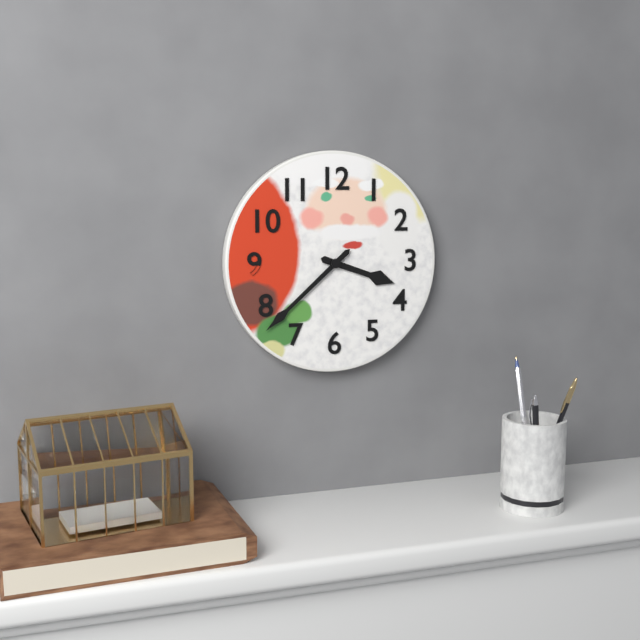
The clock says {"hour": 3, "minute": 38}
